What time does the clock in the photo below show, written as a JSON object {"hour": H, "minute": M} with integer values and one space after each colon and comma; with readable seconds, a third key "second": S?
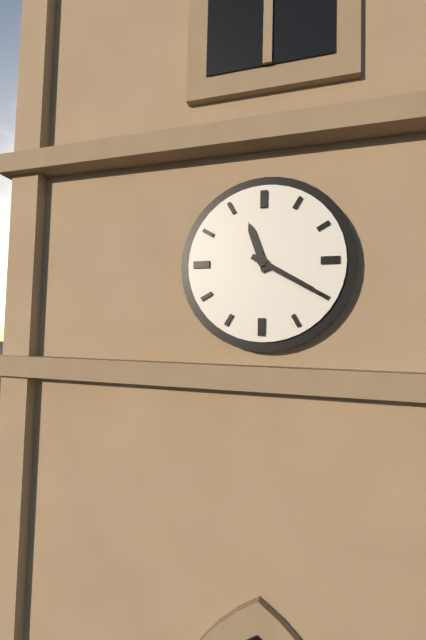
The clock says {"hour": 11, "minute": 20}
